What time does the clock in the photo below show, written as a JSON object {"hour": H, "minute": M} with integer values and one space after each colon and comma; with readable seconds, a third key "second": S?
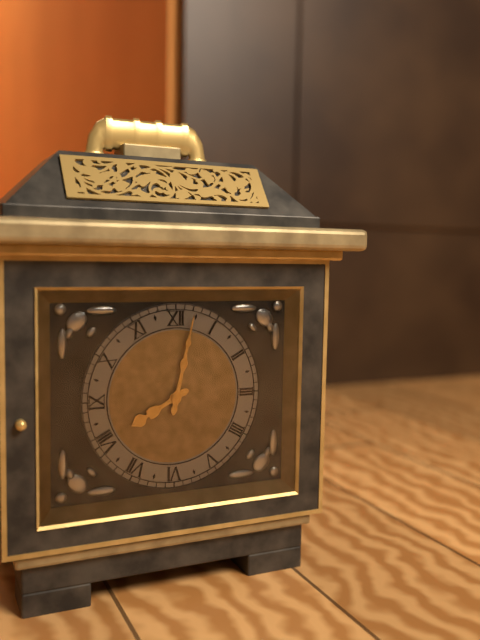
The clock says {"hour": 8, "minute": 2}
